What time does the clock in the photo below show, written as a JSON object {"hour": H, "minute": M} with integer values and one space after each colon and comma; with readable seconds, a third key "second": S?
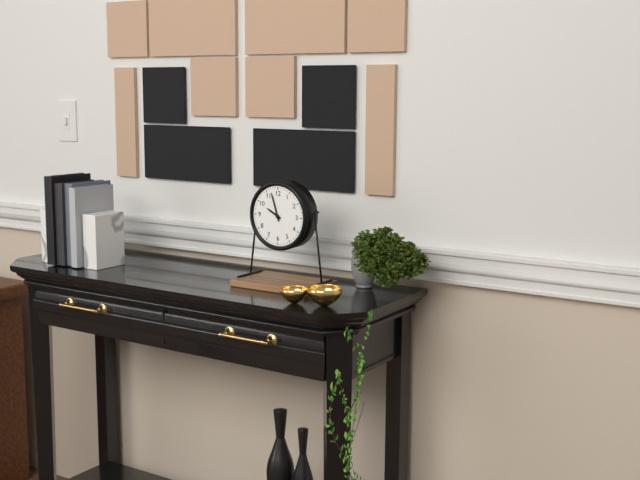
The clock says {"hour": 9, "minute": 57}
